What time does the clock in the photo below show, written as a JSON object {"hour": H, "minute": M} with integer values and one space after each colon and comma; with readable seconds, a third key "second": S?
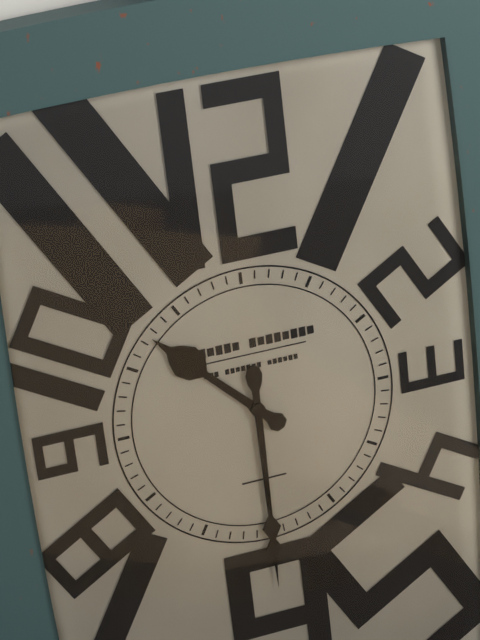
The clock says {"hour": 10, "minute": 30}
